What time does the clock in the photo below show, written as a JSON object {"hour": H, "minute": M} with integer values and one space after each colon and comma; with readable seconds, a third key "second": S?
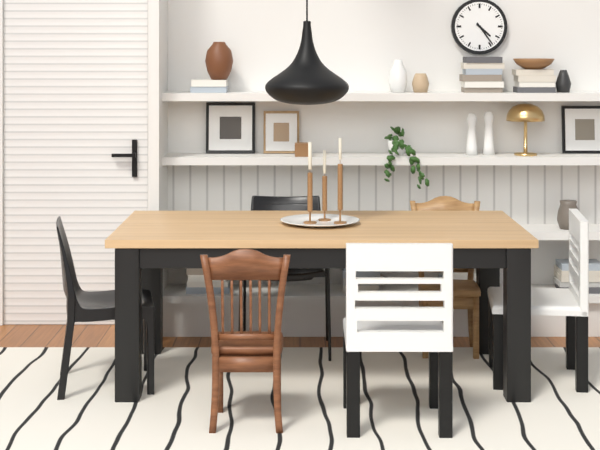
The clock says {"hour": 4, "minute": 24}
